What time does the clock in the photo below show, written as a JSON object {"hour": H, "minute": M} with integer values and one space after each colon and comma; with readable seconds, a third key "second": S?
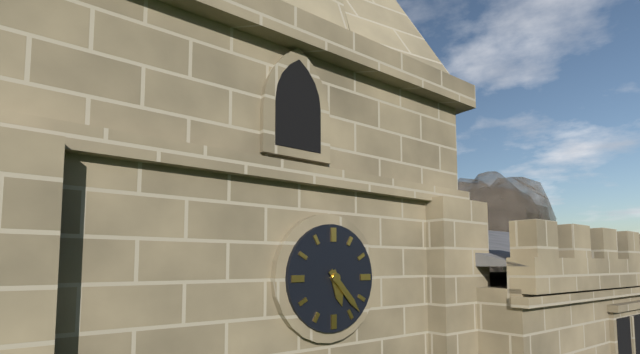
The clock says {"hour": 5, "minute": 23}
